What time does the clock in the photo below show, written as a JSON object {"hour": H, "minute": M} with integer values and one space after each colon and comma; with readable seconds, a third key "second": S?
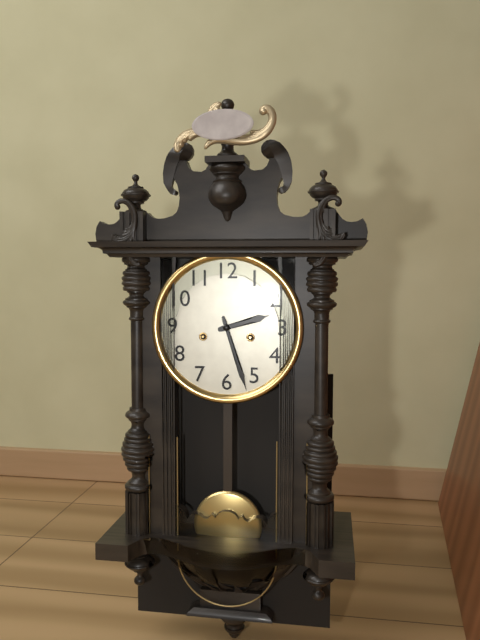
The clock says {"hour": 2, "minute": 27}
